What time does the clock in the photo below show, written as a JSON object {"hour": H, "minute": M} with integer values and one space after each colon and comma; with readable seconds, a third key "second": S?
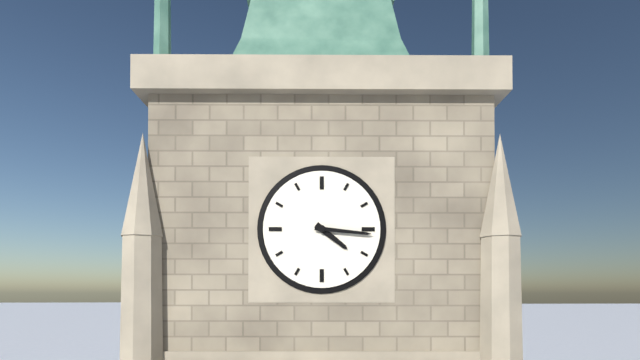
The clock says {"hour": 4, "minute": 16}
